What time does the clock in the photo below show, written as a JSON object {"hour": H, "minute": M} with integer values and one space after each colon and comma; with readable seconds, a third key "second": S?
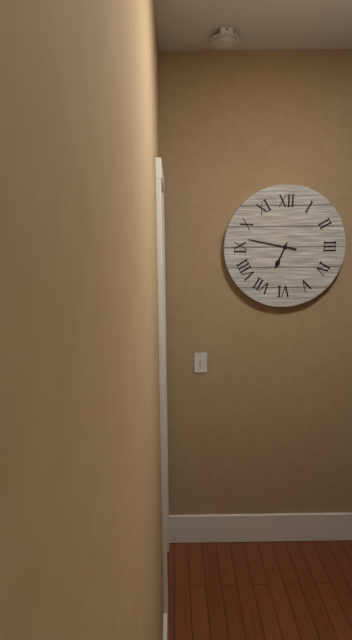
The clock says {"hour": 6, "minute": 47}
